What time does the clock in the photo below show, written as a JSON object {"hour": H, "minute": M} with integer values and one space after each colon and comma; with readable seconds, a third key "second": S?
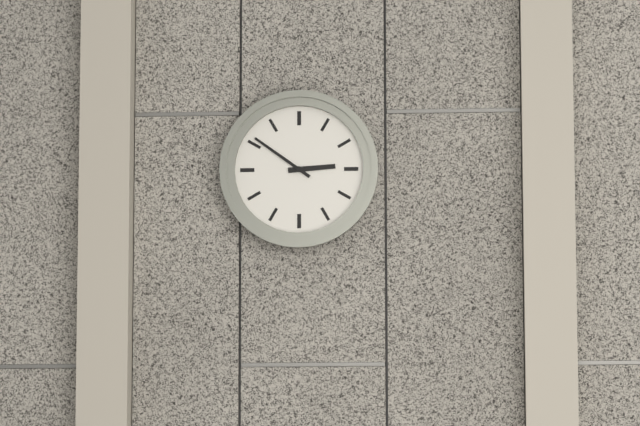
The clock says {"hour": 2, "minute": 51}
